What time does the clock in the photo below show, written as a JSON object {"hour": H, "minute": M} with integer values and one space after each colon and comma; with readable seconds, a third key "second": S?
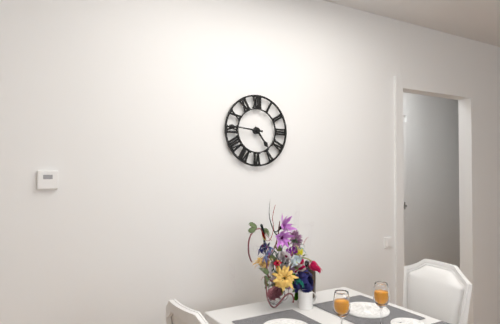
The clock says {"hour": 4, "minute": 46}
